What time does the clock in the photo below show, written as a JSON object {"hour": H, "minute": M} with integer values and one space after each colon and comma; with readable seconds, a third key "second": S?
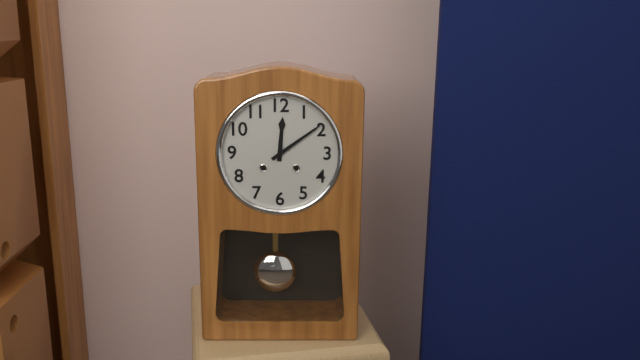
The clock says {"hour": 12, "minute": 9}
